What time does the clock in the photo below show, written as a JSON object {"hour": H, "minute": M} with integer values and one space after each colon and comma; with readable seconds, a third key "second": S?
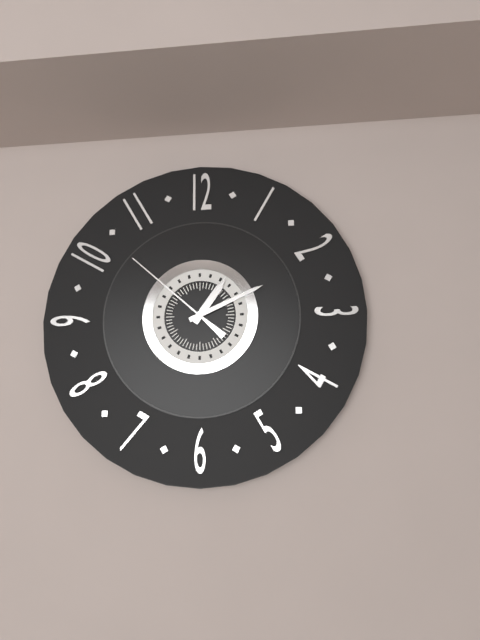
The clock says {"hour": 1, "minute": 11, "second": 52}
